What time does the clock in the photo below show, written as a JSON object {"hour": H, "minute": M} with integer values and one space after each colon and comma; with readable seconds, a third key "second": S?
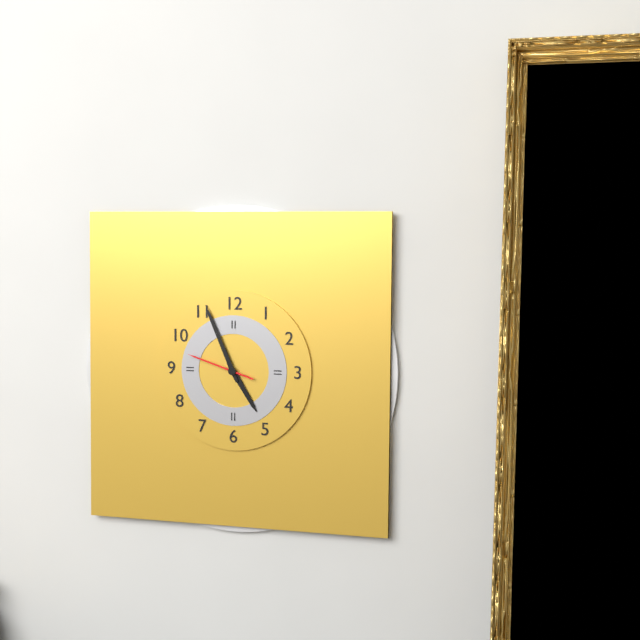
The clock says {"hour": 4, "minute": 56, "second": 48}
